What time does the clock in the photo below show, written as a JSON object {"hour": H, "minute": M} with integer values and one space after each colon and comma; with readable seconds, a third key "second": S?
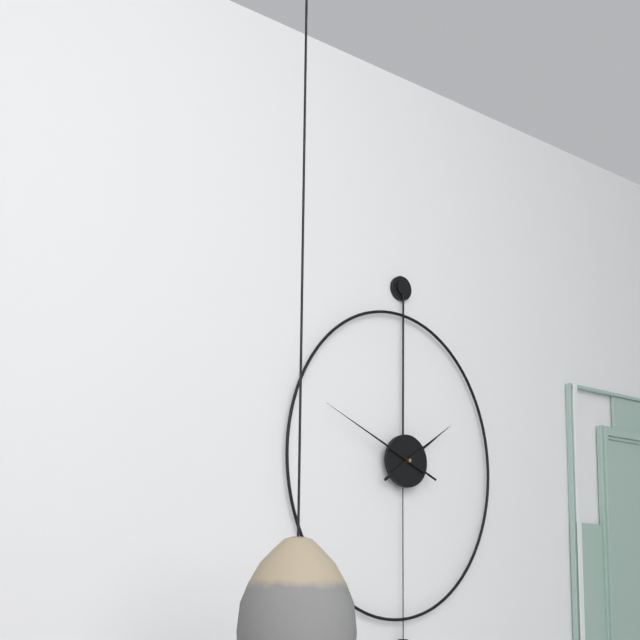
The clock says {"hour": 1, "minute": 49}
